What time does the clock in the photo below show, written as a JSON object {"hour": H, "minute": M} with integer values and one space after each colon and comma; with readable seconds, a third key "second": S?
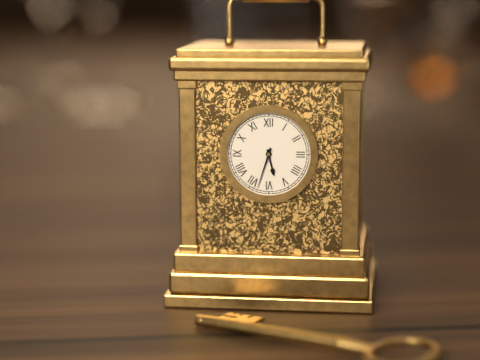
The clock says {"hour": 5, "minute": 33}
